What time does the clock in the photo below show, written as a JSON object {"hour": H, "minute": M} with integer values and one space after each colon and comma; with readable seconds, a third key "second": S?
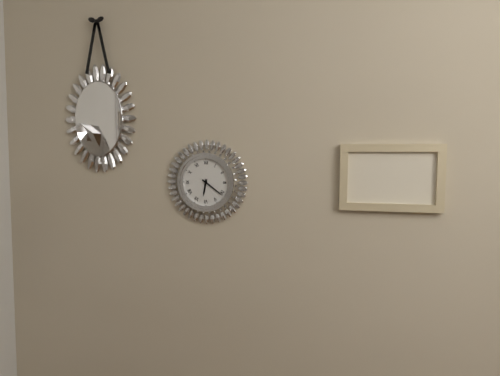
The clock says {"hour": 6, "minute": 21}
